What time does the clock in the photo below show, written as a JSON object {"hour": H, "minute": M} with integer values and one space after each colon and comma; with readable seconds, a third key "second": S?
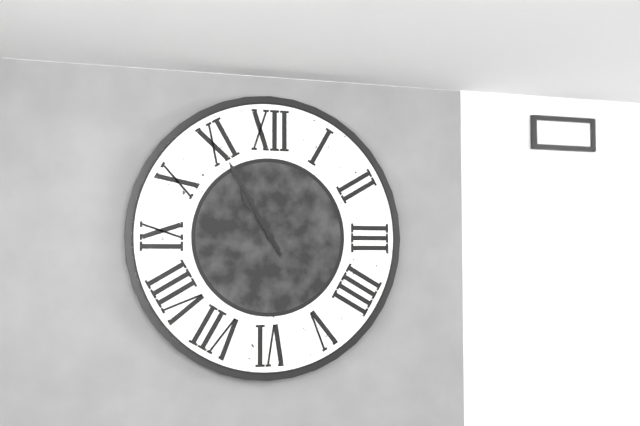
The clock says {"hour": 10, "minute": 55}
